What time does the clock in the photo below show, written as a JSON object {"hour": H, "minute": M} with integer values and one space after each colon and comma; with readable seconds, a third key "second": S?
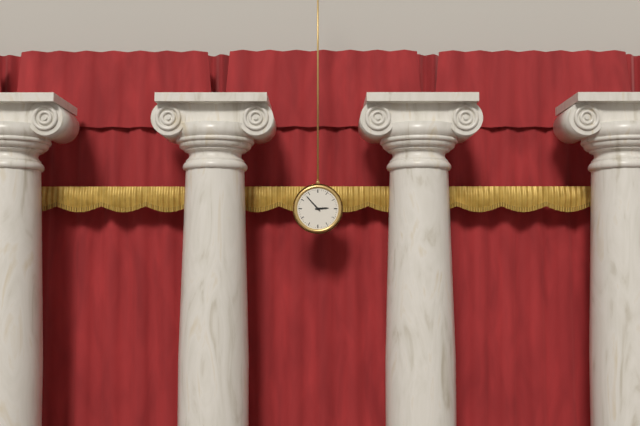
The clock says {"hour": 2, "minute": 53}
